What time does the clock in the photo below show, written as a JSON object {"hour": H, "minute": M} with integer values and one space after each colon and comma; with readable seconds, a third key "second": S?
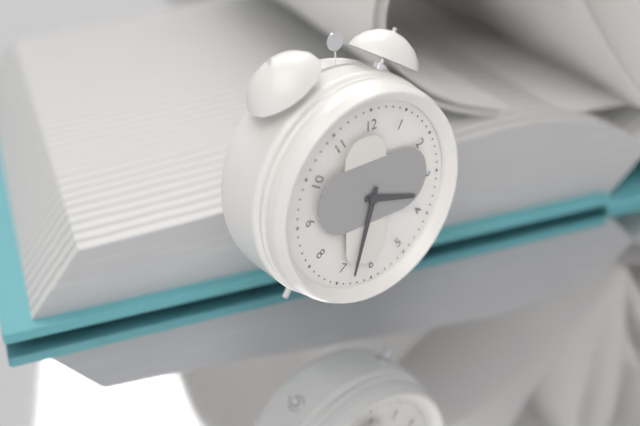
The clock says {"hour": 3, "minute": 33}
